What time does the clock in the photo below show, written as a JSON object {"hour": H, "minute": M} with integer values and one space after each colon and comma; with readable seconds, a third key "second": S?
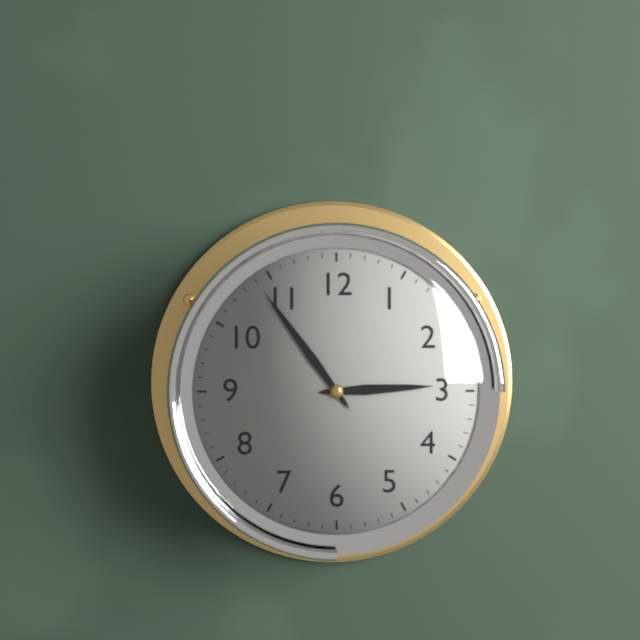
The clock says {"hour": 2, "minute": 54}
